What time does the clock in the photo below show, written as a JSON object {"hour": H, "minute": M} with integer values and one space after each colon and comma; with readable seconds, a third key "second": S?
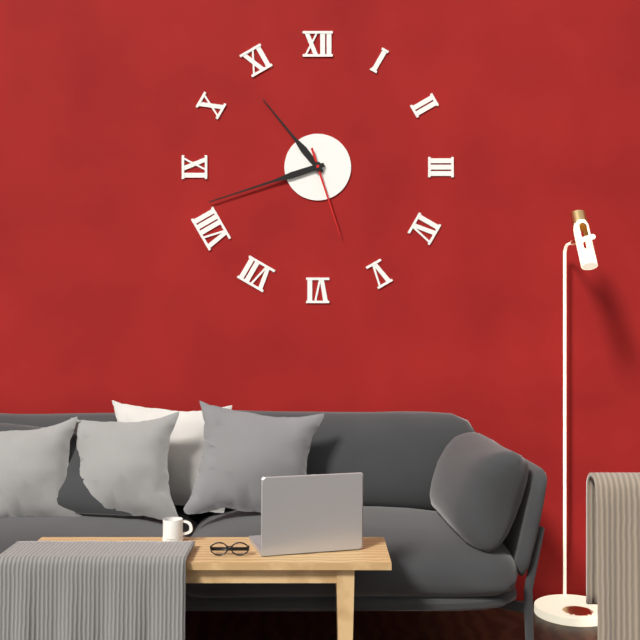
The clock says {"hour": 10, "minute": 42, "second": 27}
